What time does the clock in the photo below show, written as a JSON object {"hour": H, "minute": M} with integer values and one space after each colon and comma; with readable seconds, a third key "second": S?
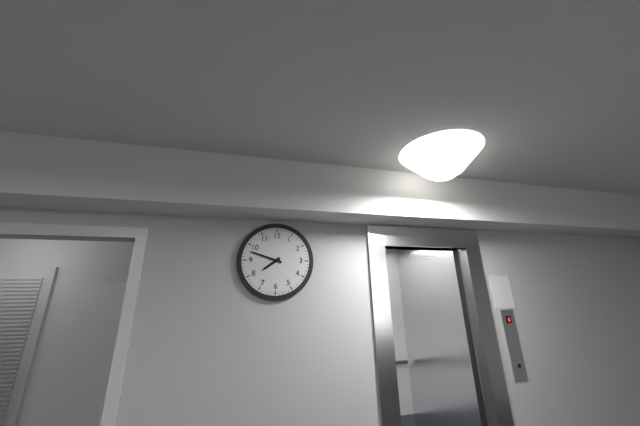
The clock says {"hour": 7, "minute": 48}
